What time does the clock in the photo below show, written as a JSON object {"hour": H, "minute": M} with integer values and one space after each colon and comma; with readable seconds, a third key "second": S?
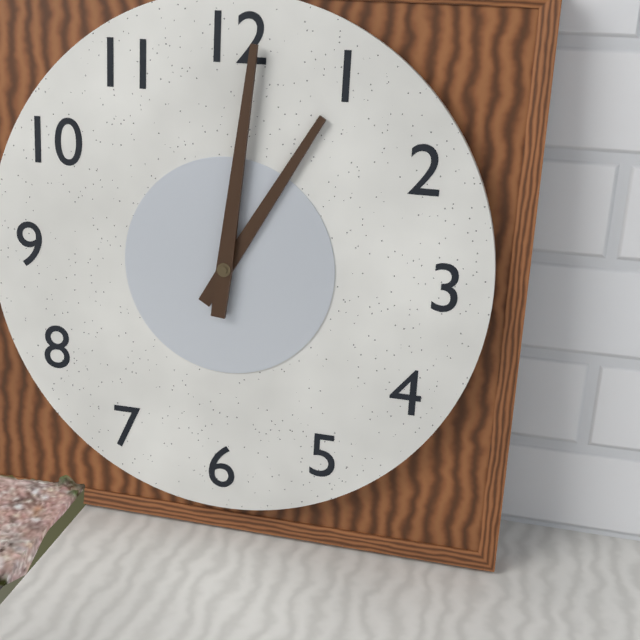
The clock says {"hour": 1, "minute": 1}
